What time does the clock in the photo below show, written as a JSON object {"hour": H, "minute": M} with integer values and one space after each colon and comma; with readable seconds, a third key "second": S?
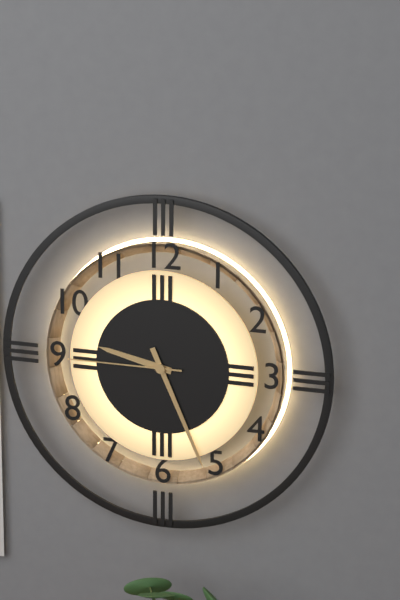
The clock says {"hour": 9, "minute": 26, "second": 45}
